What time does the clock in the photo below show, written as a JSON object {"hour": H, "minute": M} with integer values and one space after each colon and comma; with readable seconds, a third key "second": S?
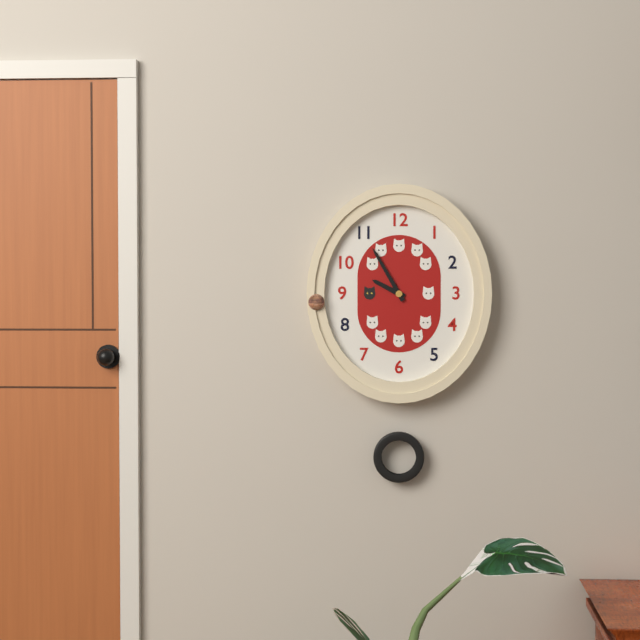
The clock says {"hour": 9, "minute": 55}
